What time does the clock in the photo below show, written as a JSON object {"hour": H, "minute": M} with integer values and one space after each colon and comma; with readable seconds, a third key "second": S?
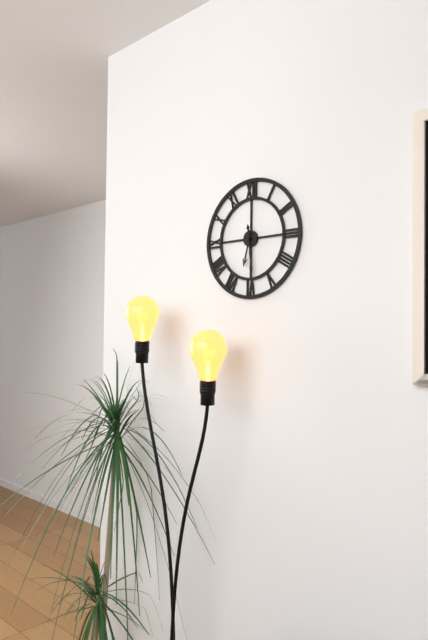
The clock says {"hour": 6, "minute": 29}
